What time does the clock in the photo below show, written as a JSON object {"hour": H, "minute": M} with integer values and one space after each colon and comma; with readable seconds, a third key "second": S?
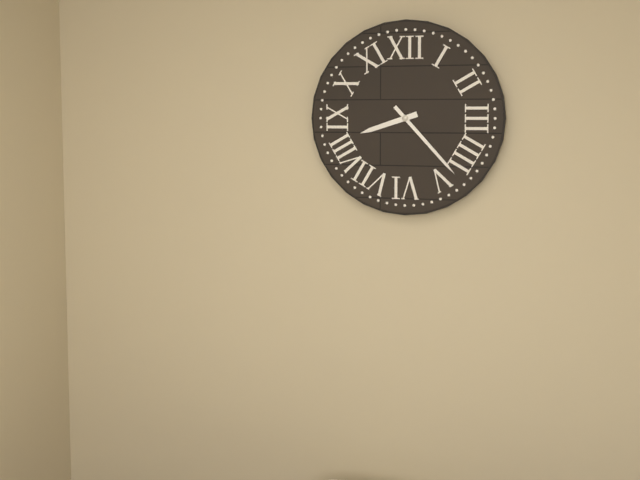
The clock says {"hour": 8, "minute": 23}
